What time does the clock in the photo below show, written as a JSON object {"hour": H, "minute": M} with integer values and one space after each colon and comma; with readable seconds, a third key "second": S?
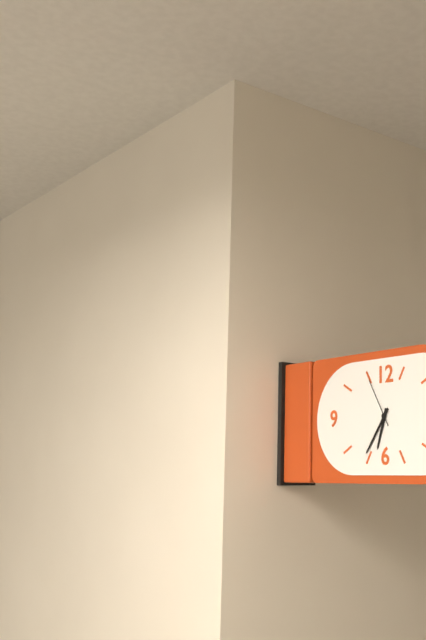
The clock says {"hour": 6, "minute": 36}
